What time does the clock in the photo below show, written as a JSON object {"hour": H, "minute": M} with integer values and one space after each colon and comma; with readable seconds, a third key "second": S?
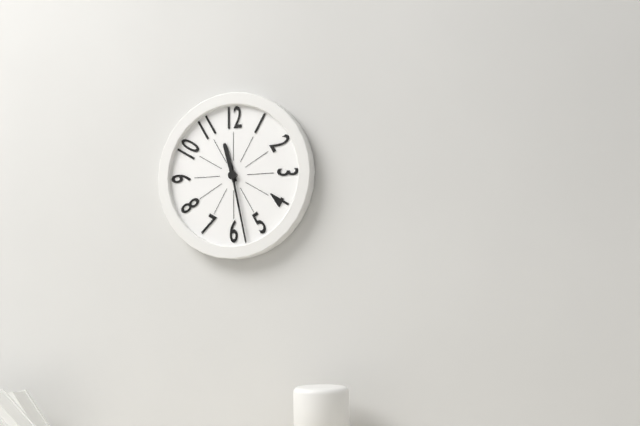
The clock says {"hour": 11, "minute": 28}
